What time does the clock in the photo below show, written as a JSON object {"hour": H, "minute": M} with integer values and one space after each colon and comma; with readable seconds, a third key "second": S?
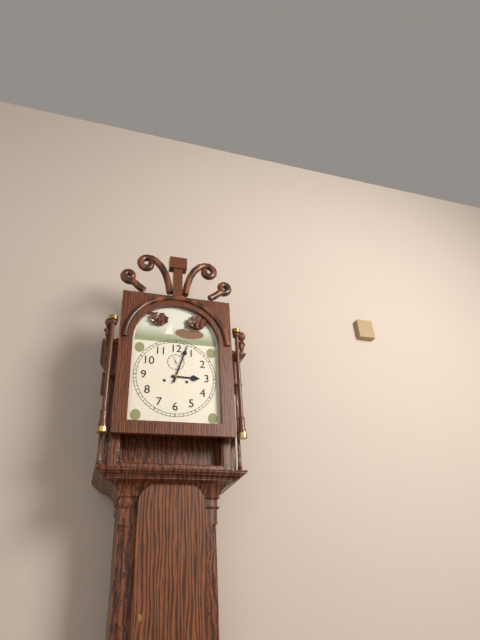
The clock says {"hour": 3, "minute": 3}
